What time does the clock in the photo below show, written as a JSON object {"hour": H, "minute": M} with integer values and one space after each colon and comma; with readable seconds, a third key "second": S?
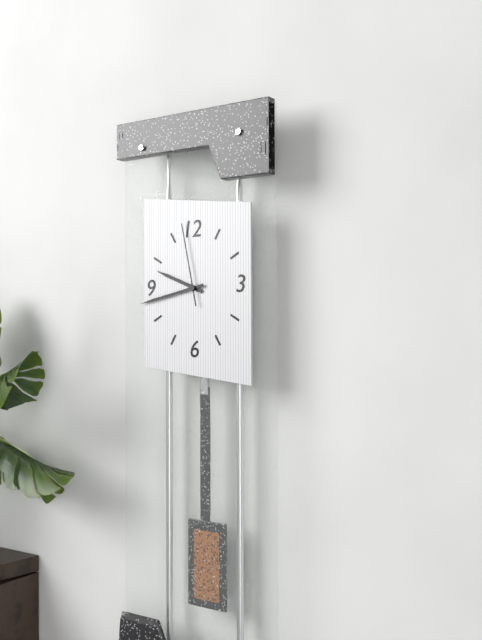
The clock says {"hour": 9, "minute": 43, "second": 58}
